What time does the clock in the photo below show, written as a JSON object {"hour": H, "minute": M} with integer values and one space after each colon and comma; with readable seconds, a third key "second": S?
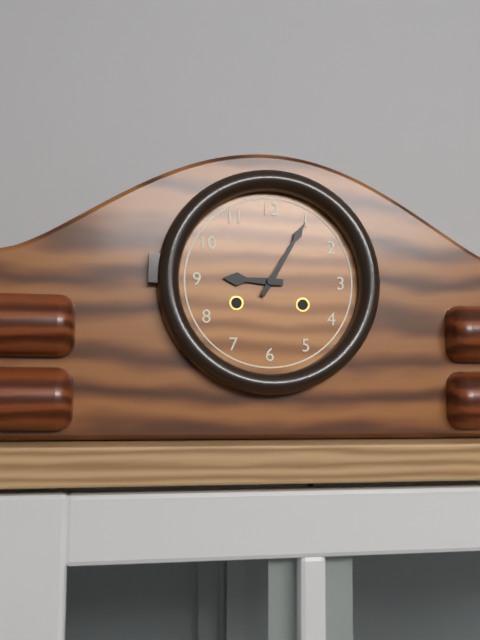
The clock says {"hour": 9, "minute": 5}
